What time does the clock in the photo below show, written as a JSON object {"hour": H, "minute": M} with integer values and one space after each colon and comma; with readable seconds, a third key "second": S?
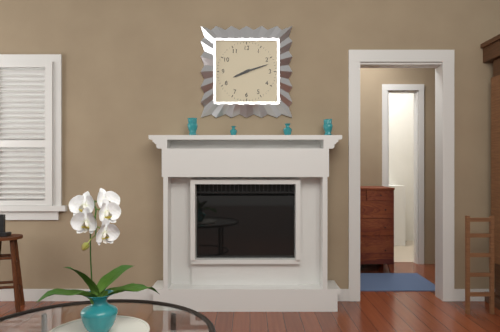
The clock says {"hour": 8, "minute": 12}
